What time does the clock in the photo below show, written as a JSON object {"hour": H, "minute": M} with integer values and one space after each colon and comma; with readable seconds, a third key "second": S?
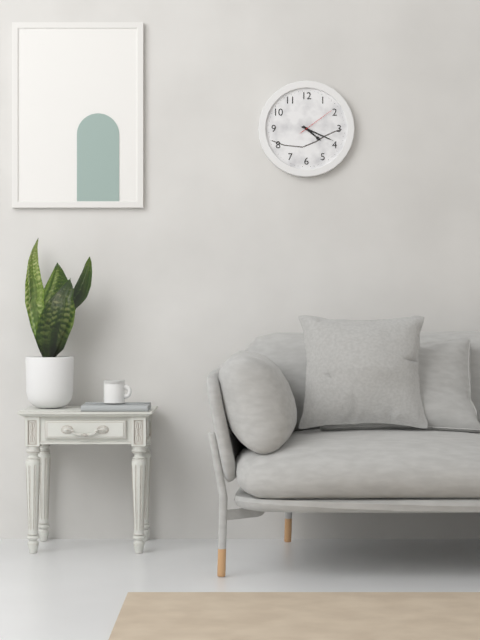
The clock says {"hour": 4, "minute": 19}
